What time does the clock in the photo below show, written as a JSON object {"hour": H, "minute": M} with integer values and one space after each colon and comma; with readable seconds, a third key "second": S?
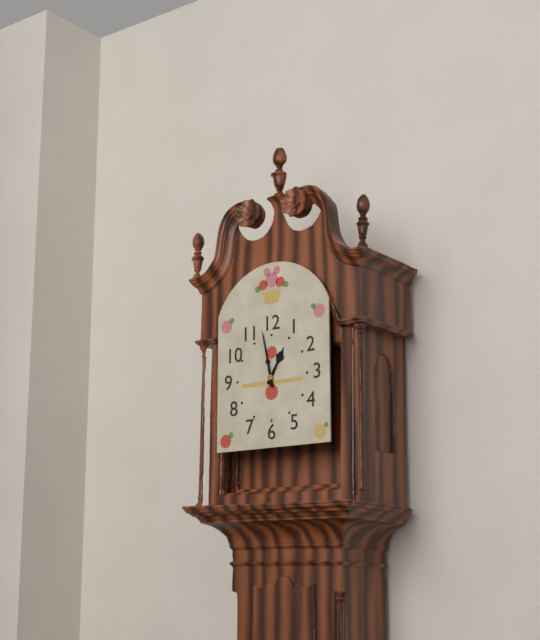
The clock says {"hour": 12, "minute": 58}
